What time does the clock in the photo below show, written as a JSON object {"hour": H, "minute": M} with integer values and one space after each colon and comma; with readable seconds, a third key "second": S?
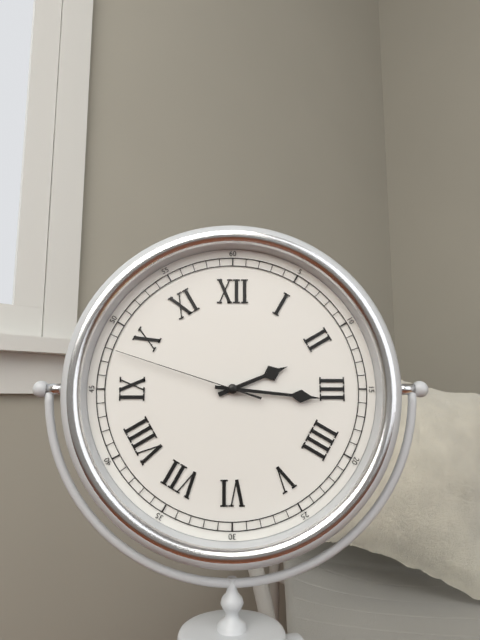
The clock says {"hour": 2, "minute": 16, "second": 48}
